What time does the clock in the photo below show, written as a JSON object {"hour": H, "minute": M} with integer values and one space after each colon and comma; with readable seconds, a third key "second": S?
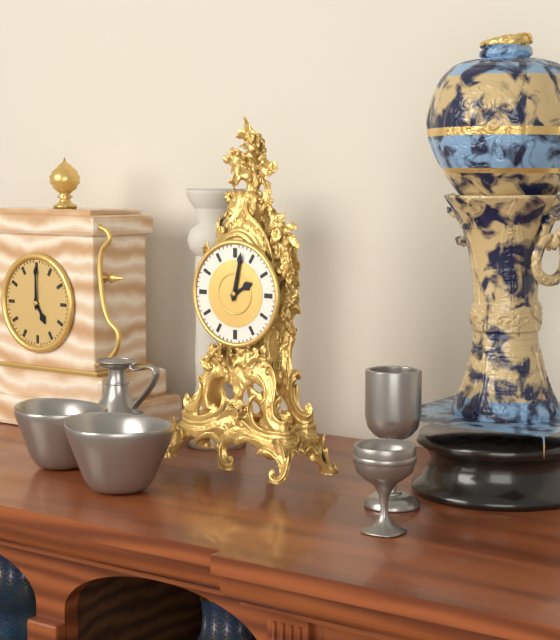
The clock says {"hour": 2, "minute": 2}
